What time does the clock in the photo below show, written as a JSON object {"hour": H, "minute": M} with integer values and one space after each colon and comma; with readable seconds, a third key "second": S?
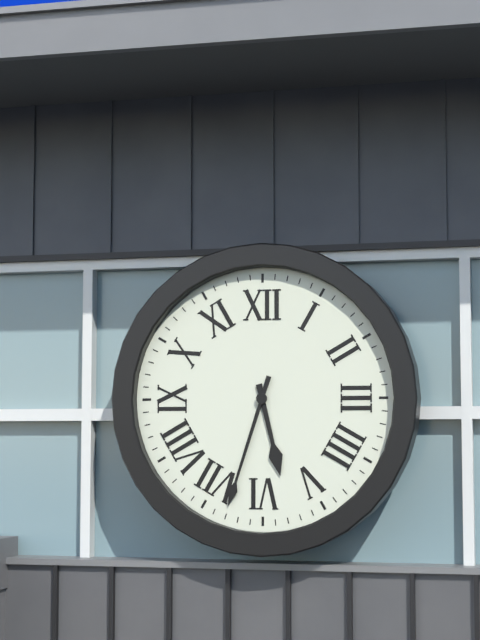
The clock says {"hour": 5, "minute": 33}
